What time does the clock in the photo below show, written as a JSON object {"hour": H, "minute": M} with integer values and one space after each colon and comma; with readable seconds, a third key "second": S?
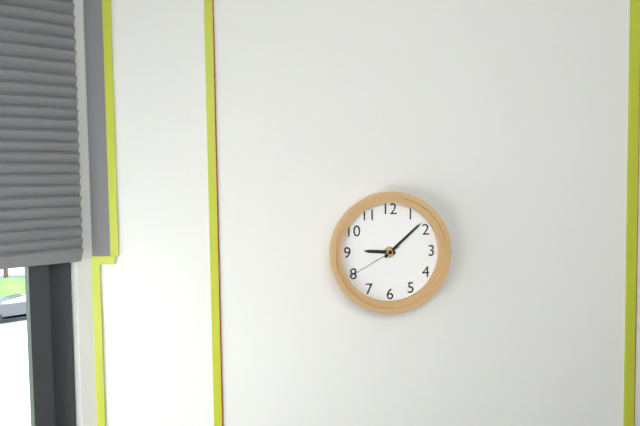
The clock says {"hour": 9, "minute": 8, "second": 40}
